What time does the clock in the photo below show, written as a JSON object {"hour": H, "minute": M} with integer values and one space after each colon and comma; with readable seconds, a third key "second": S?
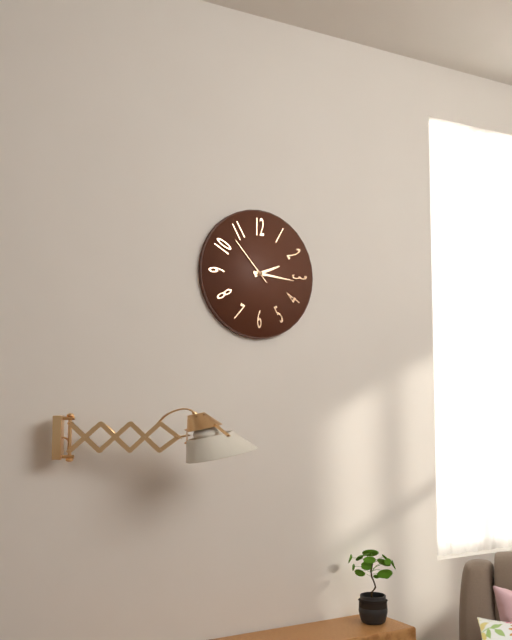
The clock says {"hour": 2, "minute": 16, "second": 53}
